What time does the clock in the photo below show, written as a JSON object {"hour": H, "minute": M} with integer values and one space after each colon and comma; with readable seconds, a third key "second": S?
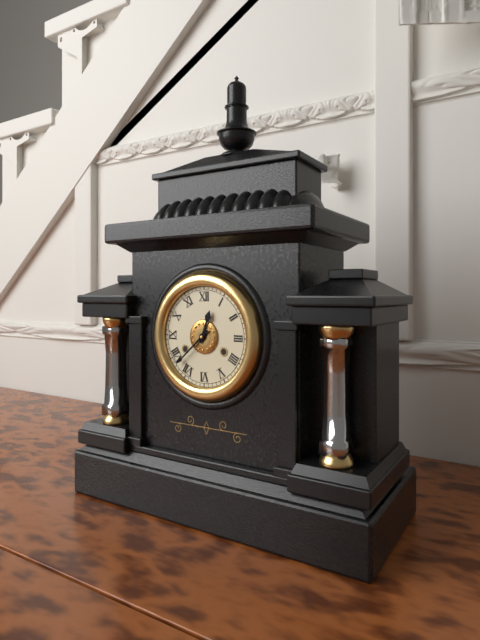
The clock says {"hour": 12, "minute": 38}
